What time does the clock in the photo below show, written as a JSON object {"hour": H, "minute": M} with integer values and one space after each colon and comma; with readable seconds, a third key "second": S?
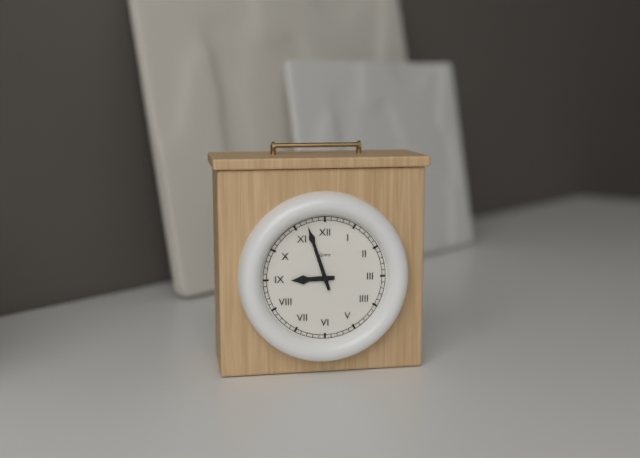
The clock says {"hour": 8, "minute": 57}
